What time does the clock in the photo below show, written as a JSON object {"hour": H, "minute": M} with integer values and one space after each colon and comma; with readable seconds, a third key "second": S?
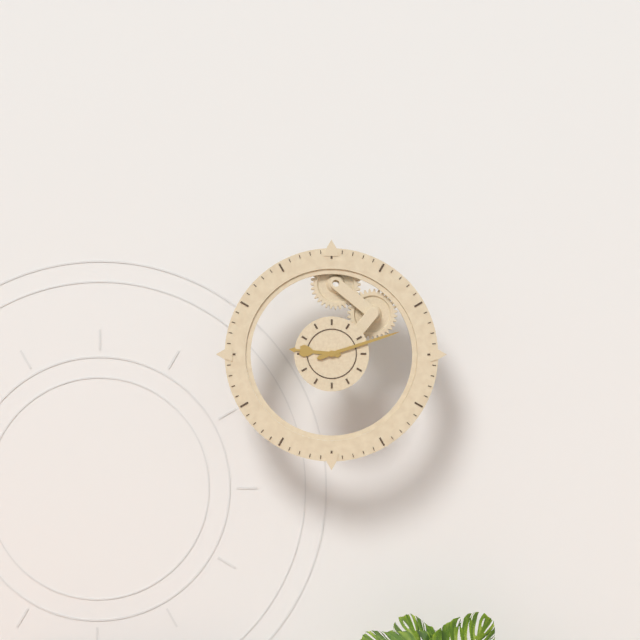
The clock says {"hour": 9, "minute": 12}
